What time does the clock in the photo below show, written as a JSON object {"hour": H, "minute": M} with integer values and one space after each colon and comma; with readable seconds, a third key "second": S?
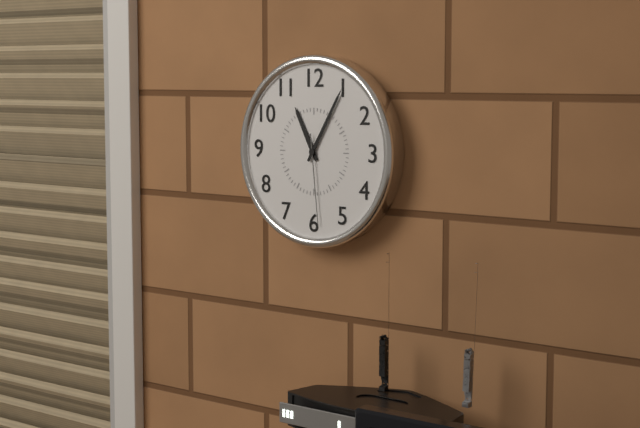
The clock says {"hour": 11, "minute": 5, "second": 29}
